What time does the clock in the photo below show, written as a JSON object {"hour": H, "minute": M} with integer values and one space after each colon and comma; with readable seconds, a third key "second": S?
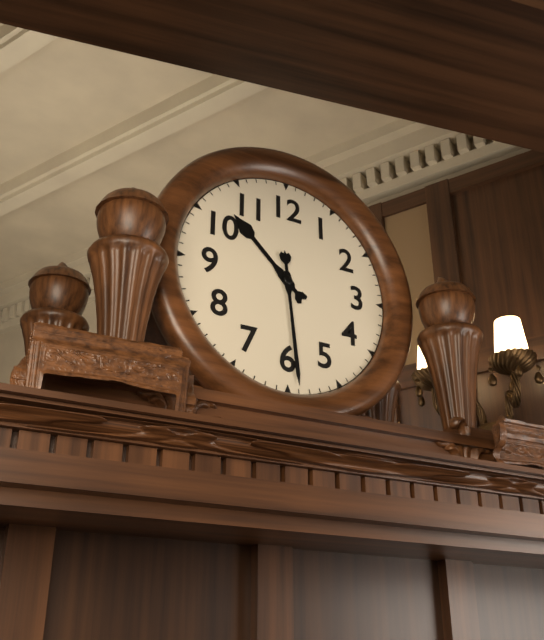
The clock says {"hour": 10, "minute": 29}
